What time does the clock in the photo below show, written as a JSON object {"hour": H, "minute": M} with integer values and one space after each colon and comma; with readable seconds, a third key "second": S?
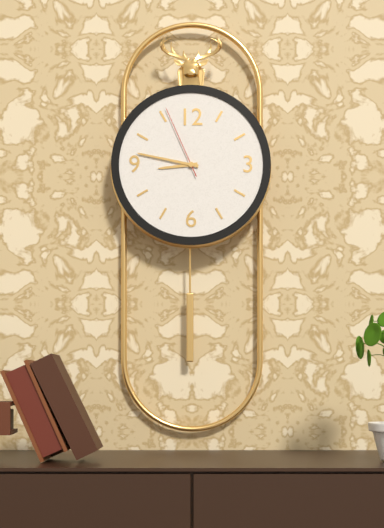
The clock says {"hour": 8, "minute": 47, "second": 56}
